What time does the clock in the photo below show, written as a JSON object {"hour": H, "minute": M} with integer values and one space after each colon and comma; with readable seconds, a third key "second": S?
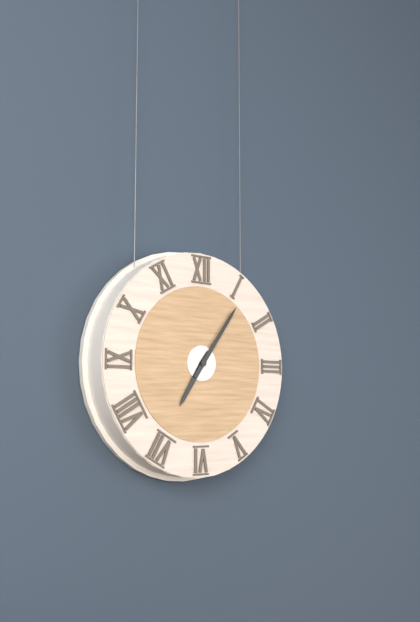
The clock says {"hour": 7, "minute": 6}
